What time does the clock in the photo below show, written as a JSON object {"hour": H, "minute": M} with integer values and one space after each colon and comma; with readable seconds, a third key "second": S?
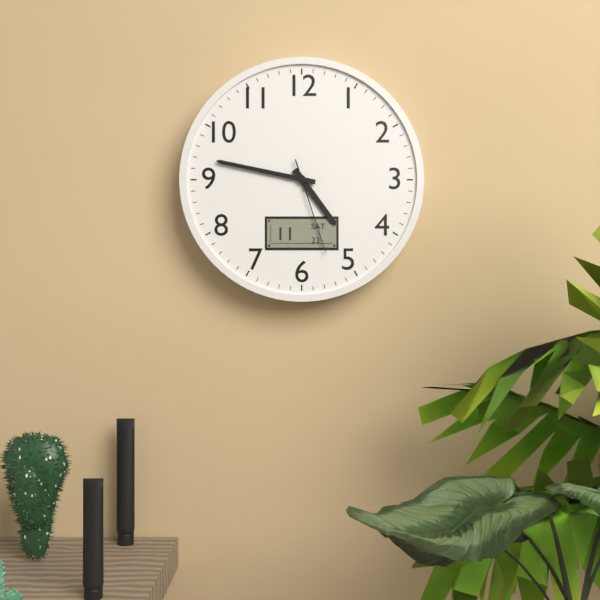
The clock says {"hour": 4, "minute": 47, "second": 27}
